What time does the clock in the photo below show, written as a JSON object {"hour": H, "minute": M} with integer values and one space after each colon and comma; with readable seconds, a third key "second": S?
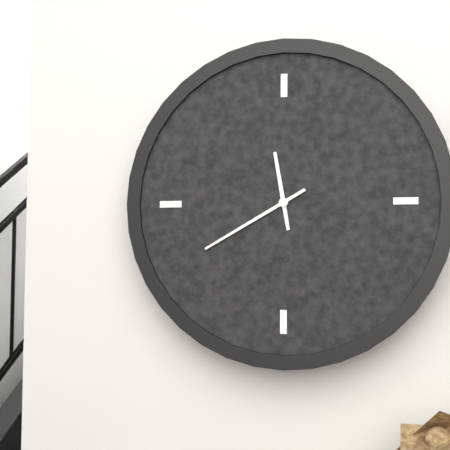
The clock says {"hour": 11, "minute": 40}
